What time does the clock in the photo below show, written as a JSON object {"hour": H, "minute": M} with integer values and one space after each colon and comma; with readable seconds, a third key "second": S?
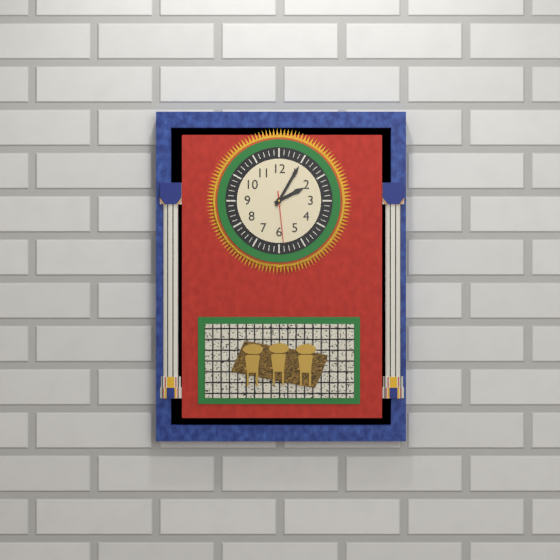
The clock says {"hour": 2, "minute": 5, "second": 29}
